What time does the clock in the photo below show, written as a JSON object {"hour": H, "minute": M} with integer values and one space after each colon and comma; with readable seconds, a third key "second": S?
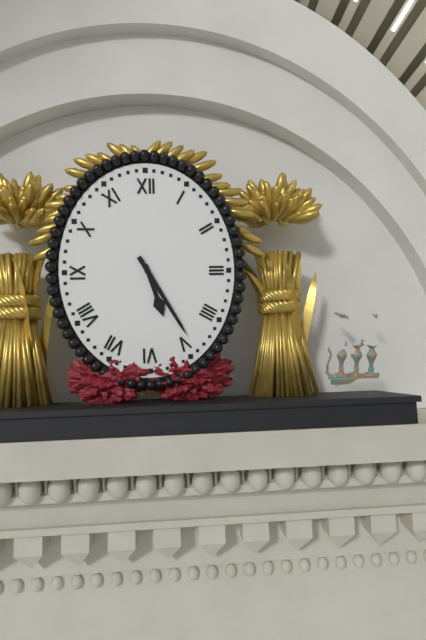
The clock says {"hour": 5, "minute": 25}
